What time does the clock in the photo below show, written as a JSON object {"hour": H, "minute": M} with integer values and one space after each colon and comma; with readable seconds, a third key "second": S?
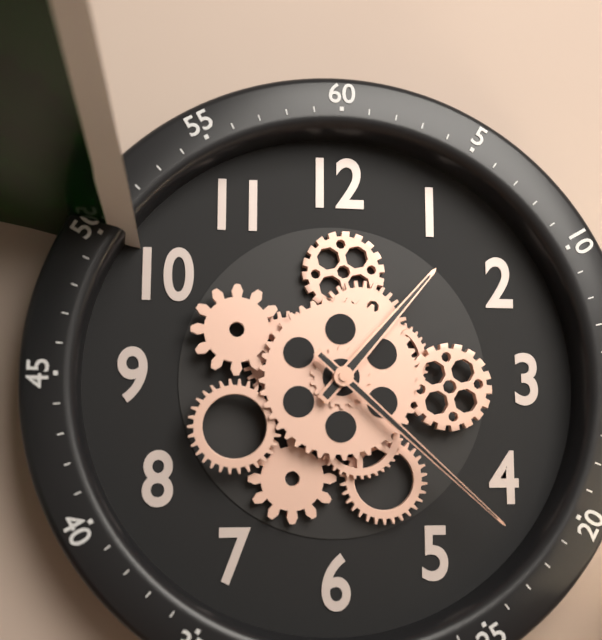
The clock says {"hour": 1, "minute": 22}
